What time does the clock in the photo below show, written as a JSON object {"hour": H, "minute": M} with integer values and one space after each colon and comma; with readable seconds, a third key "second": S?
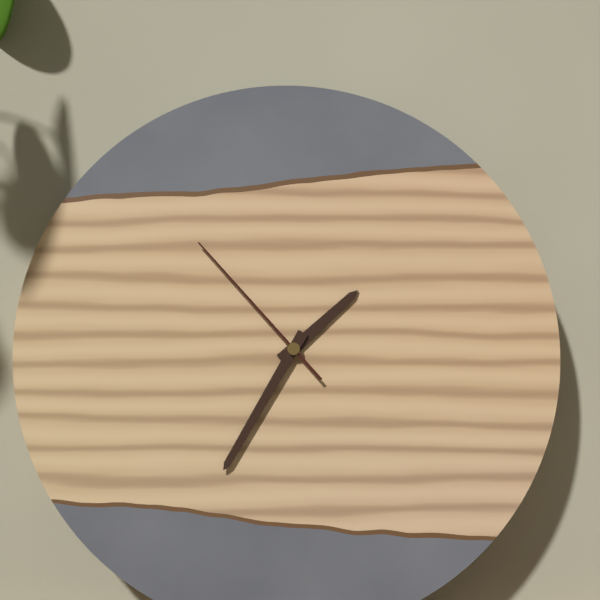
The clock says {"hour": 1, "minute": 35, "second": 53}
